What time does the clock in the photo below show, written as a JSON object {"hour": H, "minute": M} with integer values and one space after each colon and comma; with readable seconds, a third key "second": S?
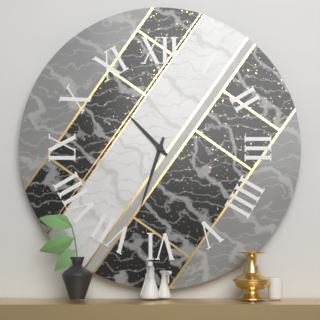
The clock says {"hour": 10, "minute": 33}
